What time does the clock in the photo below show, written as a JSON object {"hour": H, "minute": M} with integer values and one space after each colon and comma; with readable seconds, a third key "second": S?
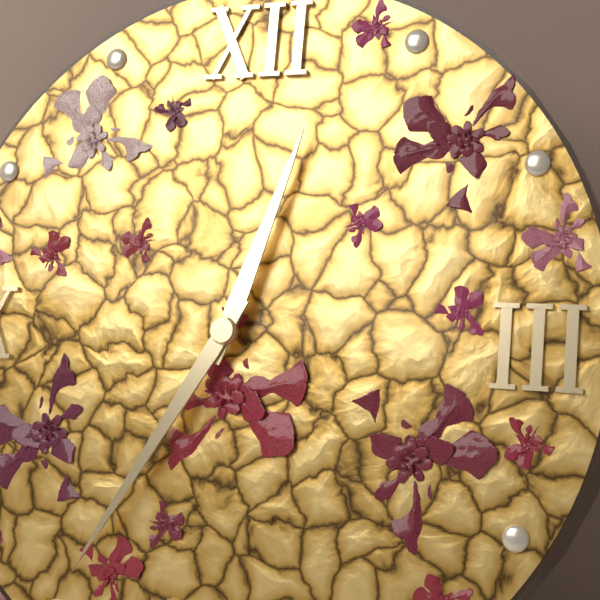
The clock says {"hour": 12, "minute": 35}
